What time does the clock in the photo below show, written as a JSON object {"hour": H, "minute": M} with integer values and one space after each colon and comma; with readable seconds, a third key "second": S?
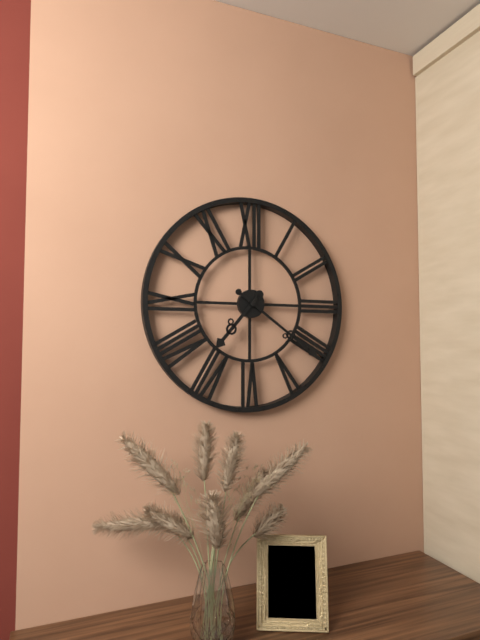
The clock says {"hour": 7, "minute": 21}
